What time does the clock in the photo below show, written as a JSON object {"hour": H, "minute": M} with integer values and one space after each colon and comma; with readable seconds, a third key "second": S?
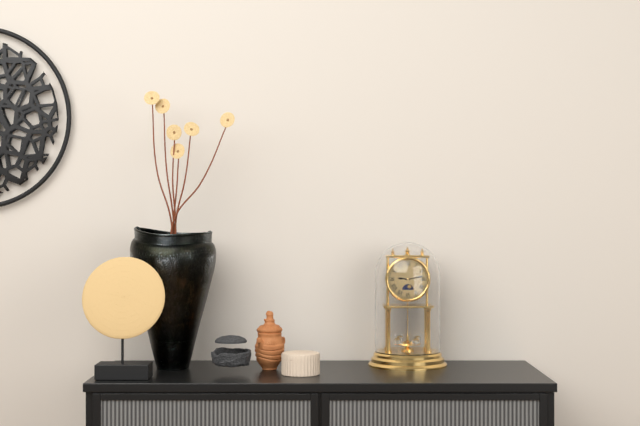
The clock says {"hour": 9, "minute": 13}
